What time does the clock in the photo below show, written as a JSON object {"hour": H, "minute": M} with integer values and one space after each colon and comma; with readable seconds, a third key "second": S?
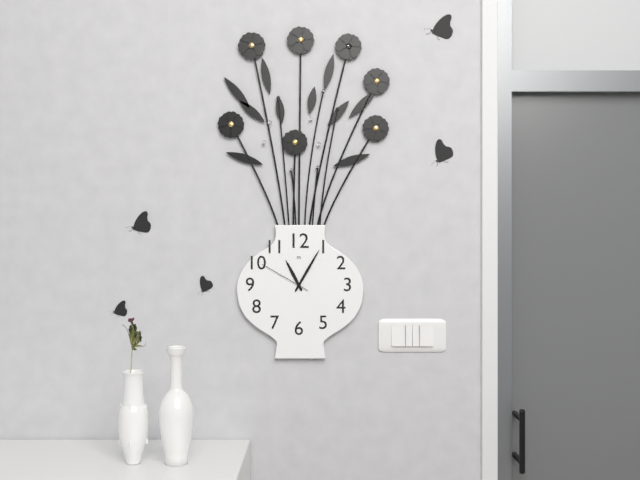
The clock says {"hour": 11, "minute": 5, "second": 50}
